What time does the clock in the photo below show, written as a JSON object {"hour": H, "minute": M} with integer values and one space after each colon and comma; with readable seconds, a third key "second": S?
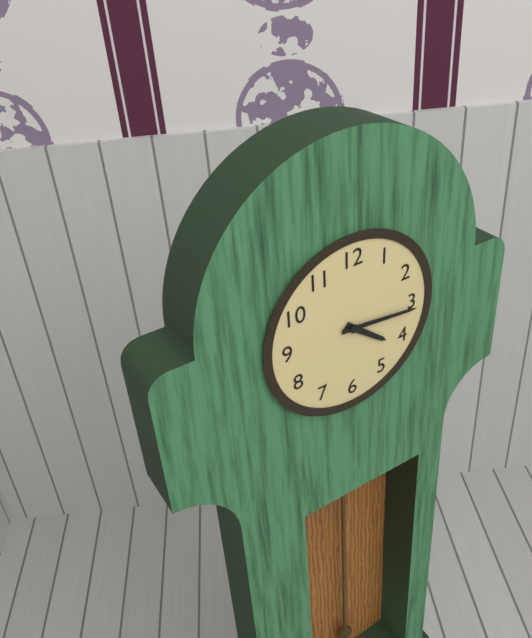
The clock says {"hour": 4, "minute": 16}
